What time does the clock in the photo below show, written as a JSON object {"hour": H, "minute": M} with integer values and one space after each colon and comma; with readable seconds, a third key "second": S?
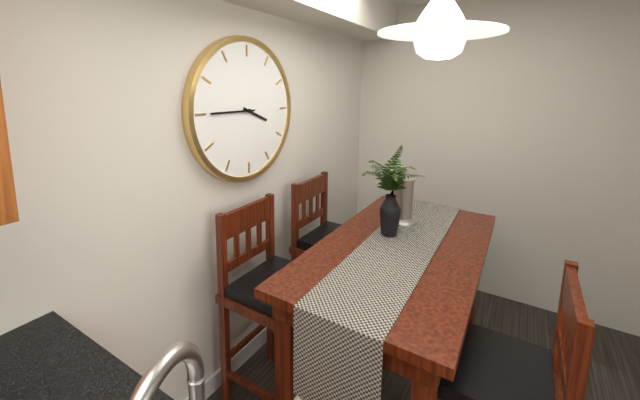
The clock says {"hour": 3, "minute": 45}
